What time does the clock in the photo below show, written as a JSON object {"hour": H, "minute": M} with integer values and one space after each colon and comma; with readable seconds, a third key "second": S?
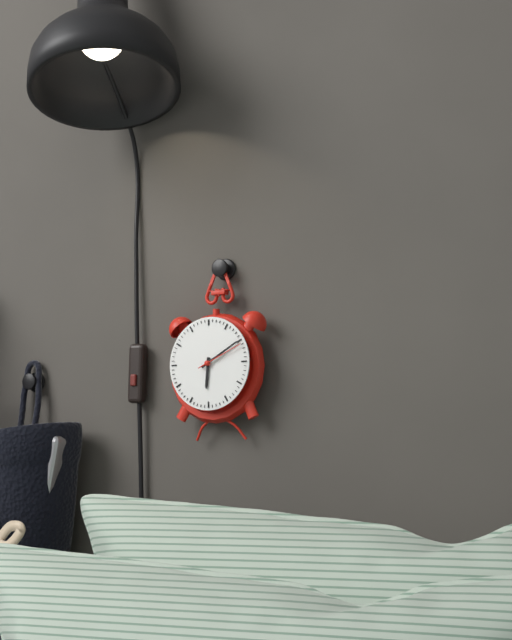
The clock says {"hour": 6, "minute": 10}
